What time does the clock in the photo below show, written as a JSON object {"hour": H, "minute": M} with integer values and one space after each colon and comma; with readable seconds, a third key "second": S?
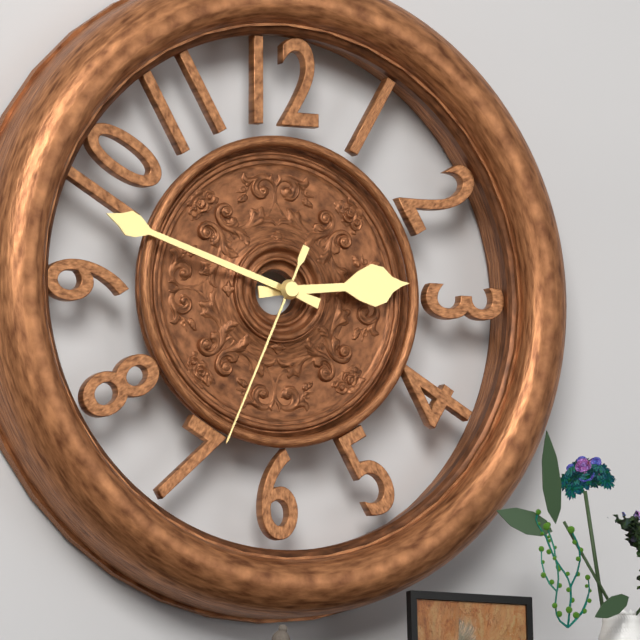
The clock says {"hour": 2, "minute": 48, "second": 34}
